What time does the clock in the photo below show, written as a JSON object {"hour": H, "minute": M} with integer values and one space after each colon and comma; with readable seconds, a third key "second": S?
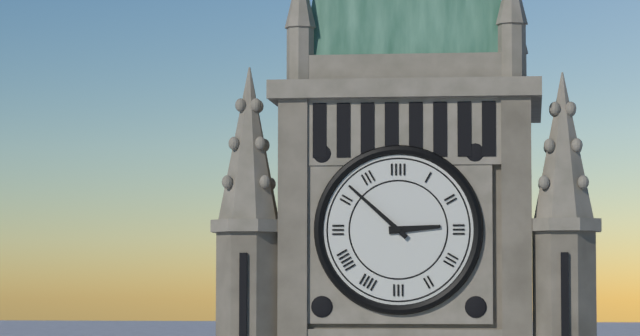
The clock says {"hour": 2, "minute": 52}
